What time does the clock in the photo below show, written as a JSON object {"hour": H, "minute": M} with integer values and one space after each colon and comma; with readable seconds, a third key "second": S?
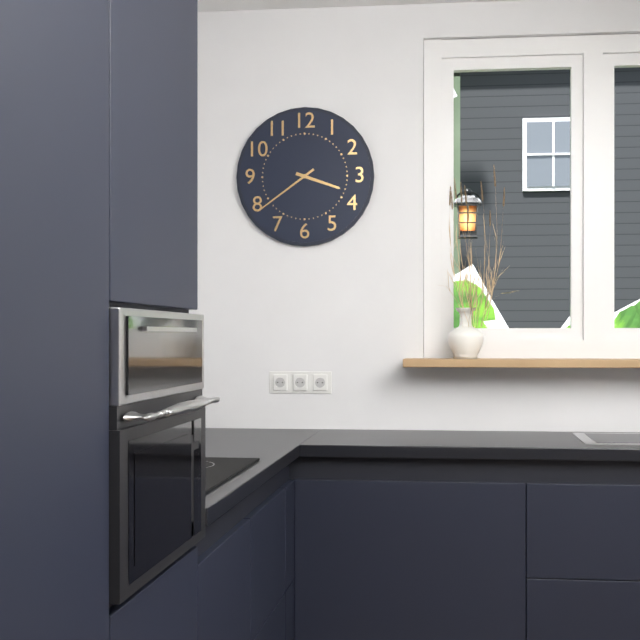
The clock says {"hour": 3, "minute": 39}
